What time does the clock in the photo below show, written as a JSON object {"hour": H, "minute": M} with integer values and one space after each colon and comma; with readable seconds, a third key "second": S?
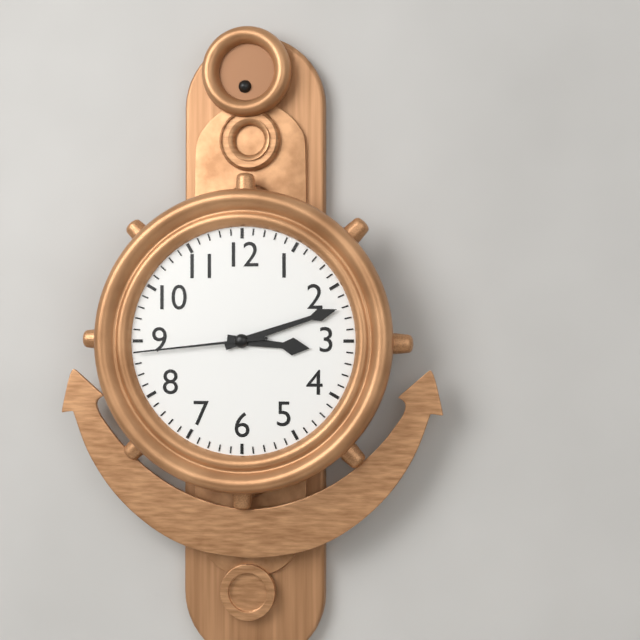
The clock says {"hour": 3, "minute": 12, "second": 44}
